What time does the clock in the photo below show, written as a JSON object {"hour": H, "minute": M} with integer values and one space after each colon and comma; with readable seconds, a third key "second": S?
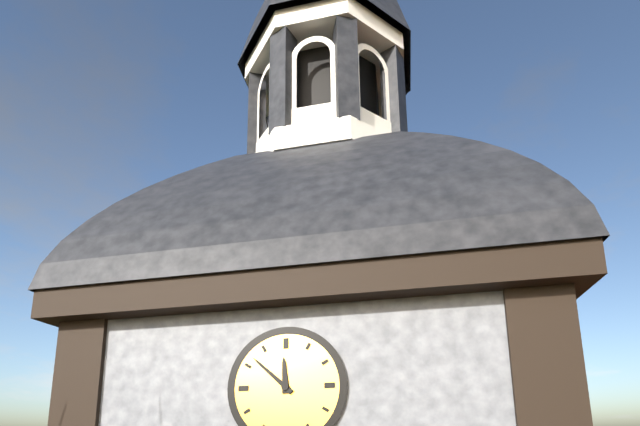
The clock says {"hour": 11, "minute": 52}
